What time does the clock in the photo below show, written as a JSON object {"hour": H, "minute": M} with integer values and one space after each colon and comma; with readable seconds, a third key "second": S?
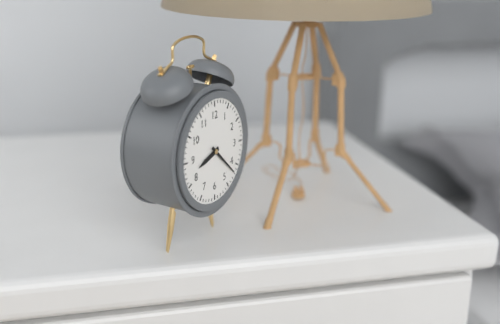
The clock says {"hour": 8, "minute": 22}
